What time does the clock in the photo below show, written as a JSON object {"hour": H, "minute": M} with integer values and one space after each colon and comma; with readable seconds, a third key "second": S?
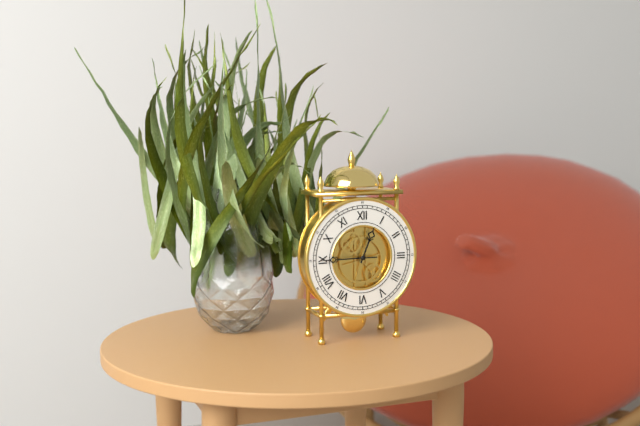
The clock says {"hour": 12, "minute": 45}
